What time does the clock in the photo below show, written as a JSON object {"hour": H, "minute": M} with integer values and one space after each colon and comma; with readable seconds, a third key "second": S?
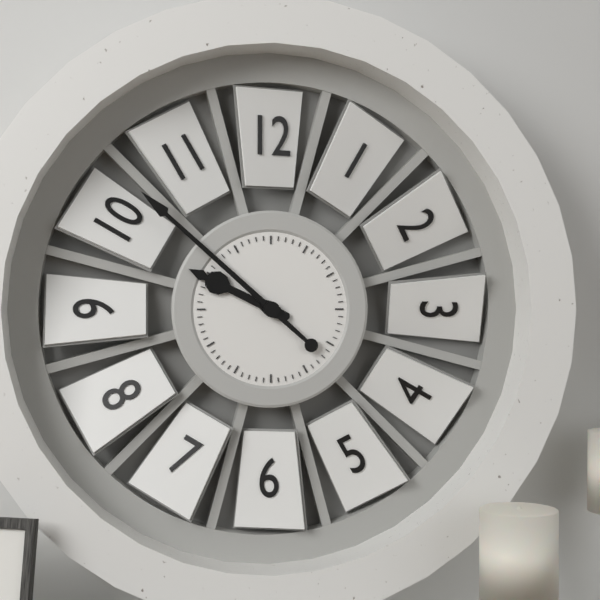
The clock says {"hour": 9, "minute": 52}
